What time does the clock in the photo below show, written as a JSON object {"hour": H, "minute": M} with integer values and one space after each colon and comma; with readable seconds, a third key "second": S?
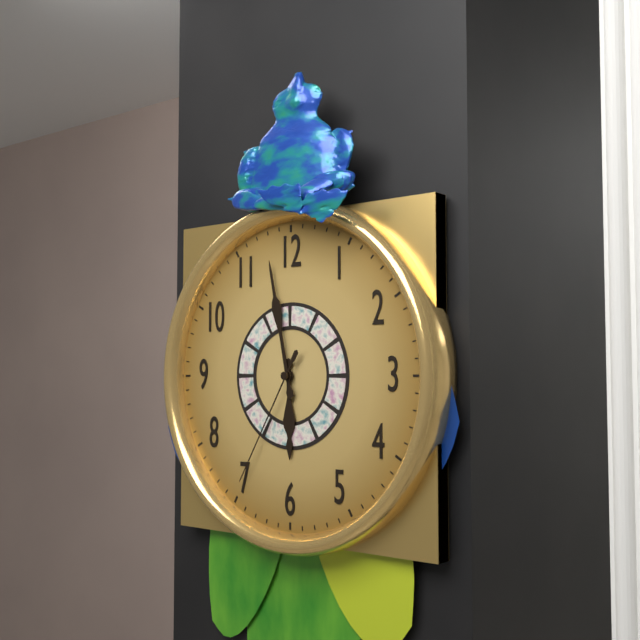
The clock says {"hour": 5, "minute": 58, "second": 35}
